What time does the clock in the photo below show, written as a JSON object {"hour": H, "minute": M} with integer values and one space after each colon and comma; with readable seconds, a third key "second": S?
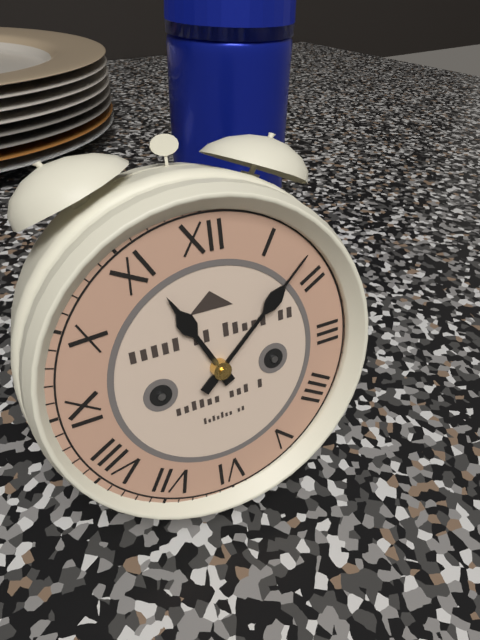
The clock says {"hour": 11, "minute": 8}
